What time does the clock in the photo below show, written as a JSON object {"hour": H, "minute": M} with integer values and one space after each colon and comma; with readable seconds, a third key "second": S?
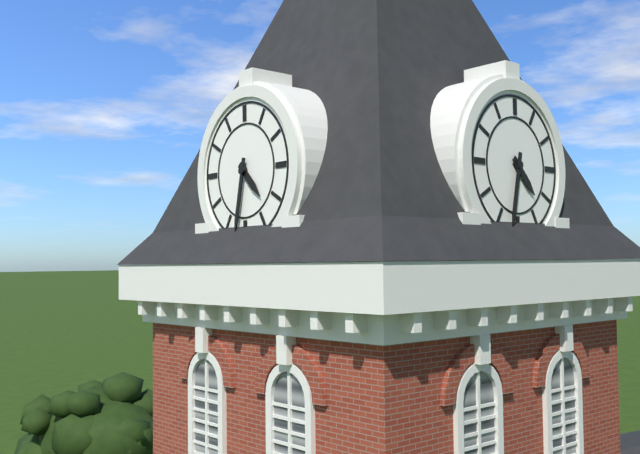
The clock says {"hour": 4, "minute": 32}
